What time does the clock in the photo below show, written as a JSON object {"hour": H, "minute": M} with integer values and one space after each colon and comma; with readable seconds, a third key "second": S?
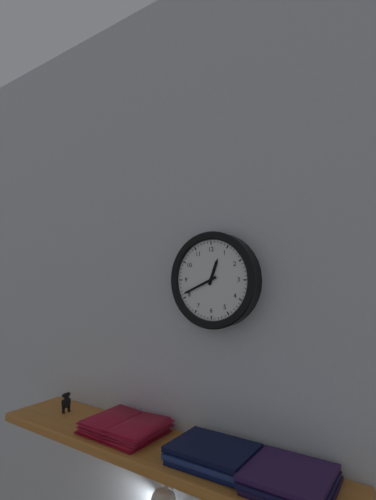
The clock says {"hour": 12, "minute": 41}
